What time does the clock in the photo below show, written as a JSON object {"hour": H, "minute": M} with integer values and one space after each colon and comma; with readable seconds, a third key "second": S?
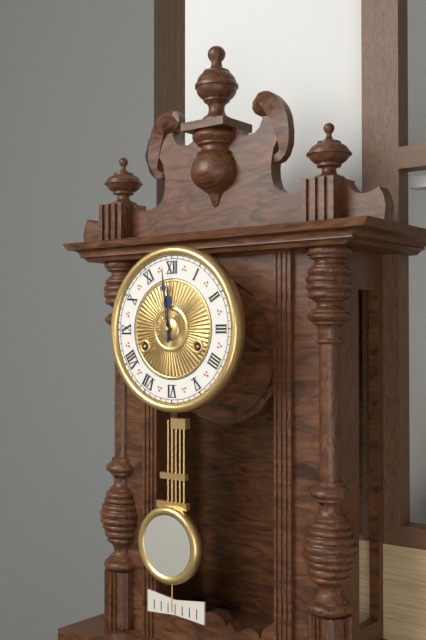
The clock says {"hour": 11, "minute": 59}
